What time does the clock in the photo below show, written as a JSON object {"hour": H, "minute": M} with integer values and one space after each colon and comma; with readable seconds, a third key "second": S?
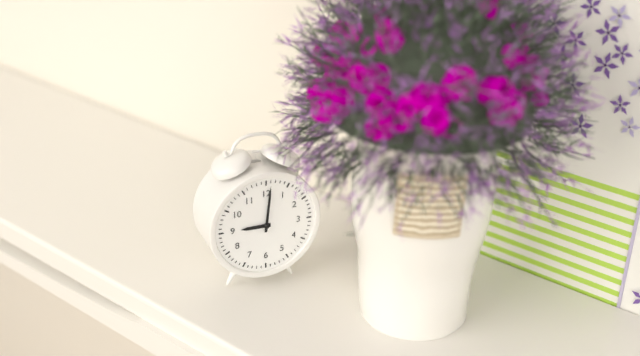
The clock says {"hour": 9, "minute": 1}
